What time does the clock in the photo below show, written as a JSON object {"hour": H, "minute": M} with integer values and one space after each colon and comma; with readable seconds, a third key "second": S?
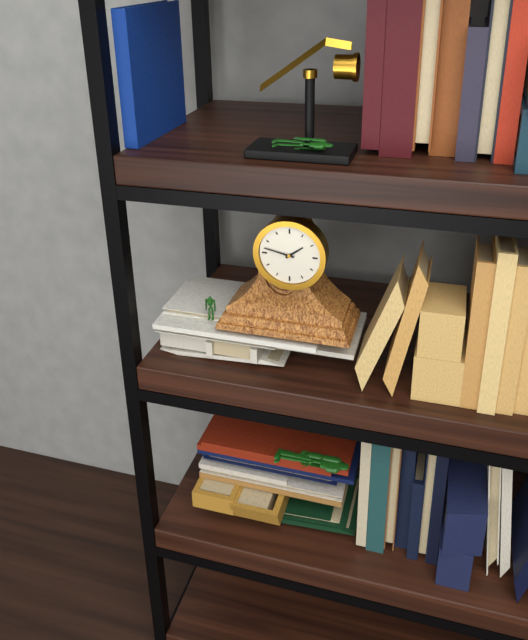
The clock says {"hour": 1, "minute": 47}
